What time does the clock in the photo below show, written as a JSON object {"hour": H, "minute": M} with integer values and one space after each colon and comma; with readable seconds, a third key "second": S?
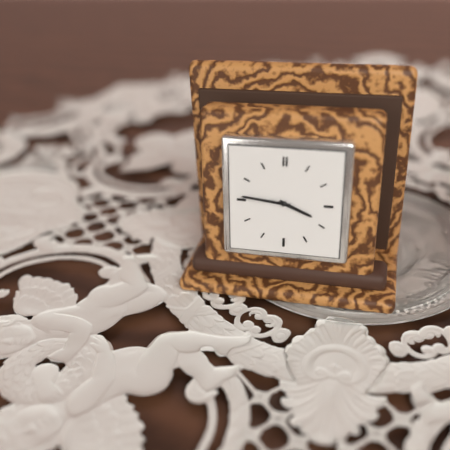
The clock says {"hour": 3, "minute": 46}
